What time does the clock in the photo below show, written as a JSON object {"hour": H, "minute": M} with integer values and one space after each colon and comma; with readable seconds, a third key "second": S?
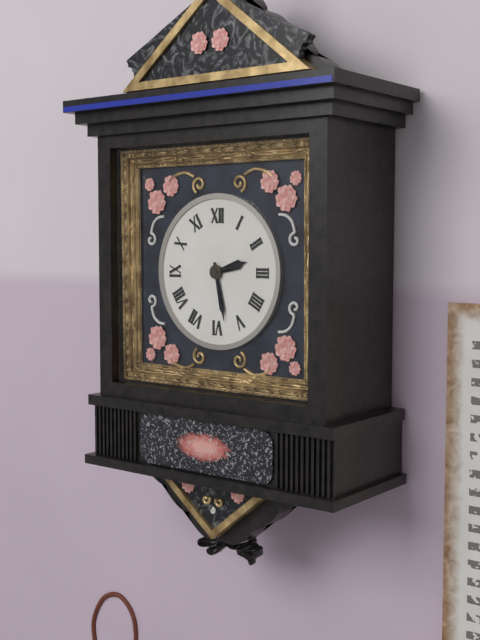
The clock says {"hour": 2, "minute": 28}
